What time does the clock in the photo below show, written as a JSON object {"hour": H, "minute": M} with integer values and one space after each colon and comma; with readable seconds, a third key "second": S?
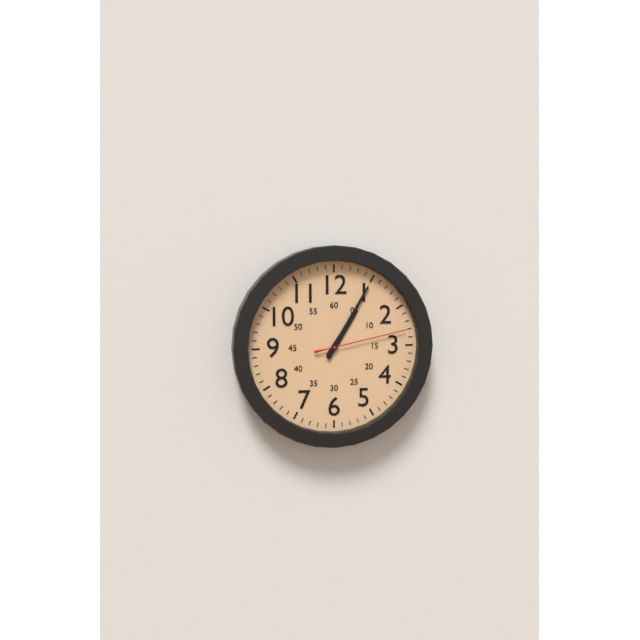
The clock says {"hour": 1, "minute": 5, "second": 13}
